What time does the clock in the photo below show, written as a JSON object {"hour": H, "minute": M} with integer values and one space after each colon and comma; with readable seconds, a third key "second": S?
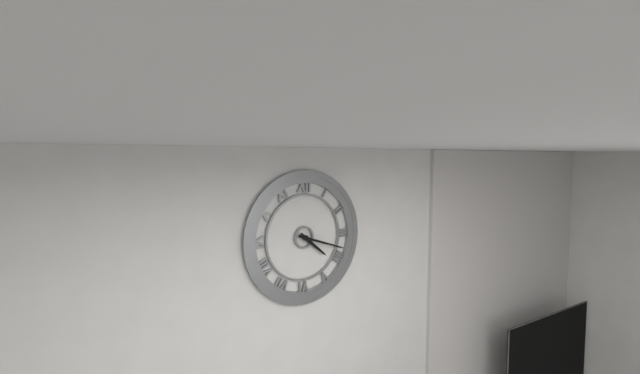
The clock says {"hour": 4, "minute": 18}
